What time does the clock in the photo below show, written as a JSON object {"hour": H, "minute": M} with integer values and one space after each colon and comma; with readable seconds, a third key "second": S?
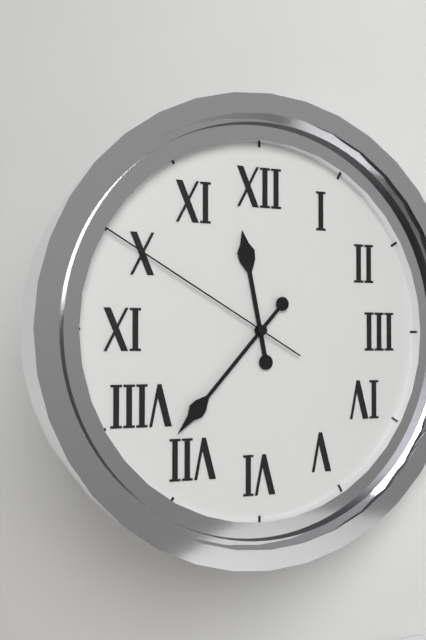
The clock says {"hour": 11, "minute": 37, "second": 50}
